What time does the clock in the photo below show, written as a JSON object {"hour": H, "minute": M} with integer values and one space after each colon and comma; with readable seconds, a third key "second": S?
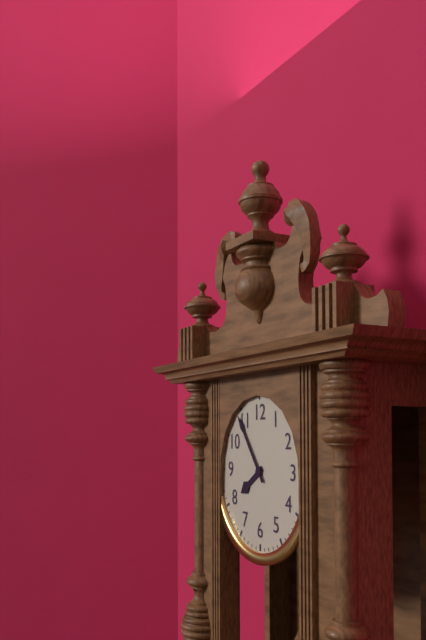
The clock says {"hour": 7, "minute": 54}
